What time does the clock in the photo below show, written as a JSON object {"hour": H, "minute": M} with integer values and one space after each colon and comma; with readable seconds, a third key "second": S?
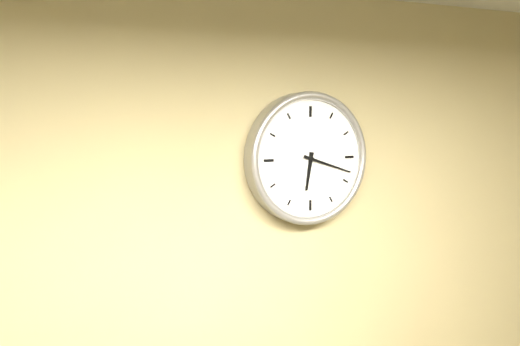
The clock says {"hour": 6, "minute": 18}
